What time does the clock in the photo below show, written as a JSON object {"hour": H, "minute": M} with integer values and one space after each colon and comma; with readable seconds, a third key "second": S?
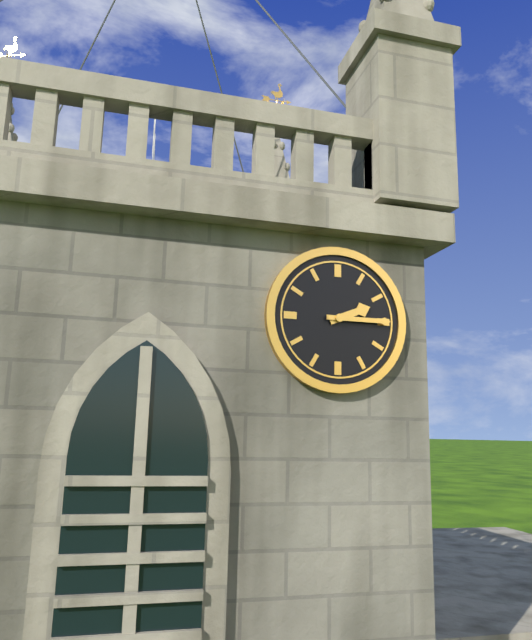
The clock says {"hour": 2, "minute": 15}
